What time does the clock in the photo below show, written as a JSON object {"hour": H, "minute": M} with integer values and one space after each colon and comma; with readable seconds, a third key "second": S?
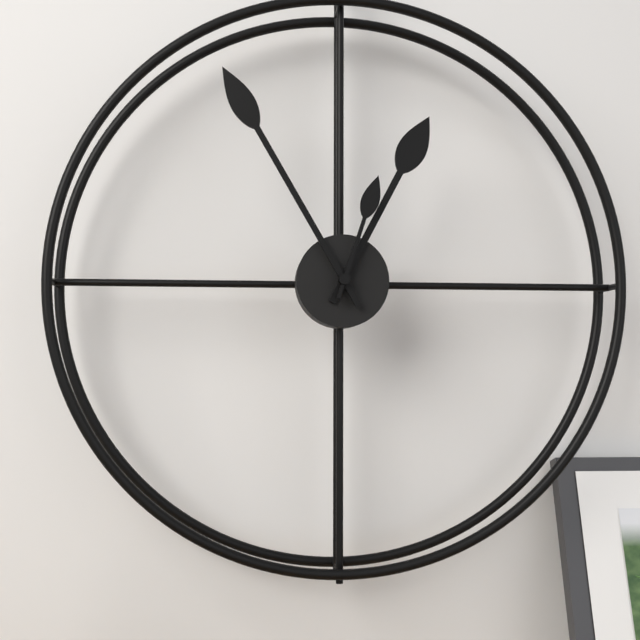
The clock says {"hour": 12, "minute": 55, "second": 3}
